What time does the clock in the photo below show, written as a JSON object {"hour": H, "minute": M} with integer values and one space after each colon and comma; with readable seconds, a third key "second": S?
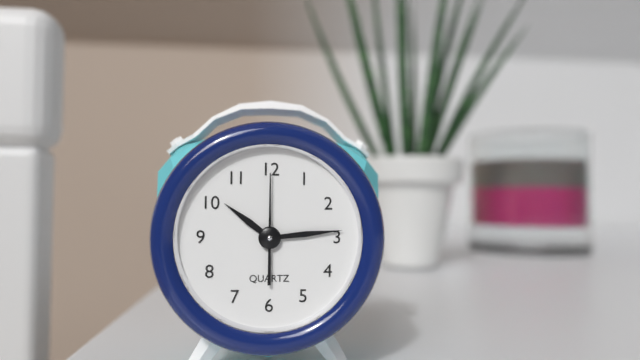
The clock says {"hour": 10, "minute": 14, "second": 0}
